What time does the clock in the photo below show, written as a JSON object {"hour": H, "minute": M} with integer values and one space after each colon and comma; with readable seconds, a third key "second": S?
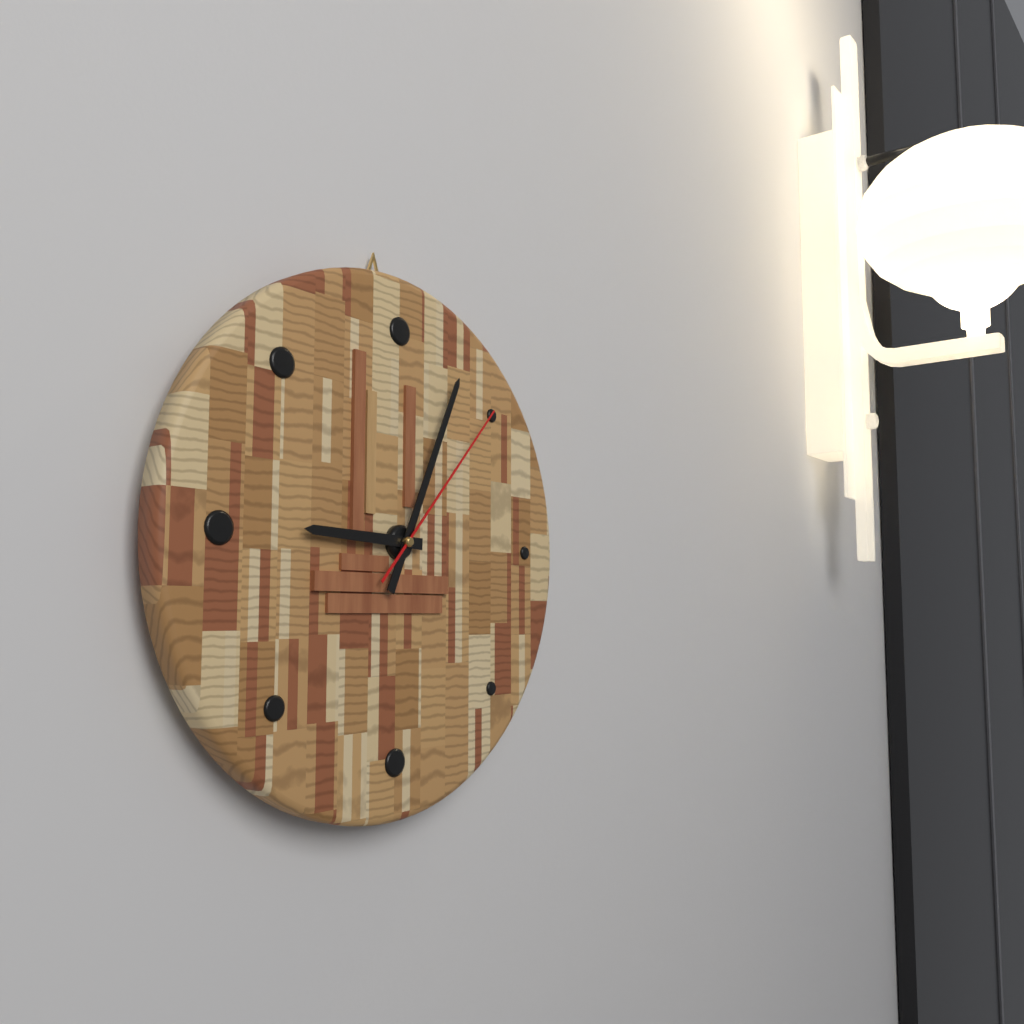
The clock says {"hour": 9, "minute": 4, "second": 7}
